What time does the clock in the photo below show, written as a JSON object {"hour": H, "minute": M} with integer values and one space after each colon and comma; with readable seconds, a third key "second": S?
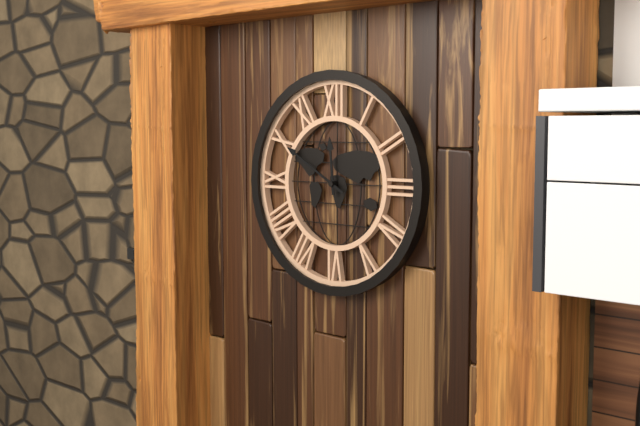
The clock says {"hour": 11, "minute": 50}
